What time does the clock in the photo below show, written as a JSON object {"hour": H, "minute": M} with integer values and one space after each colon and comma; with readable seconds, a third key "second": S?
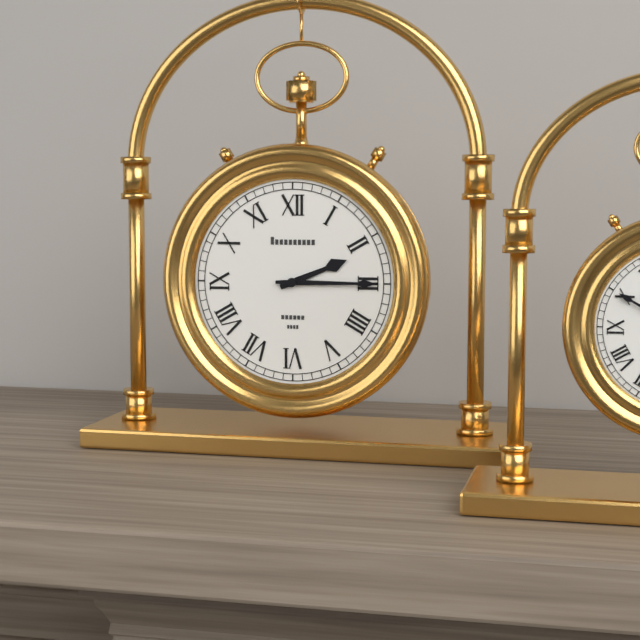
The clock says {"hour": 2, "minute": 15}
